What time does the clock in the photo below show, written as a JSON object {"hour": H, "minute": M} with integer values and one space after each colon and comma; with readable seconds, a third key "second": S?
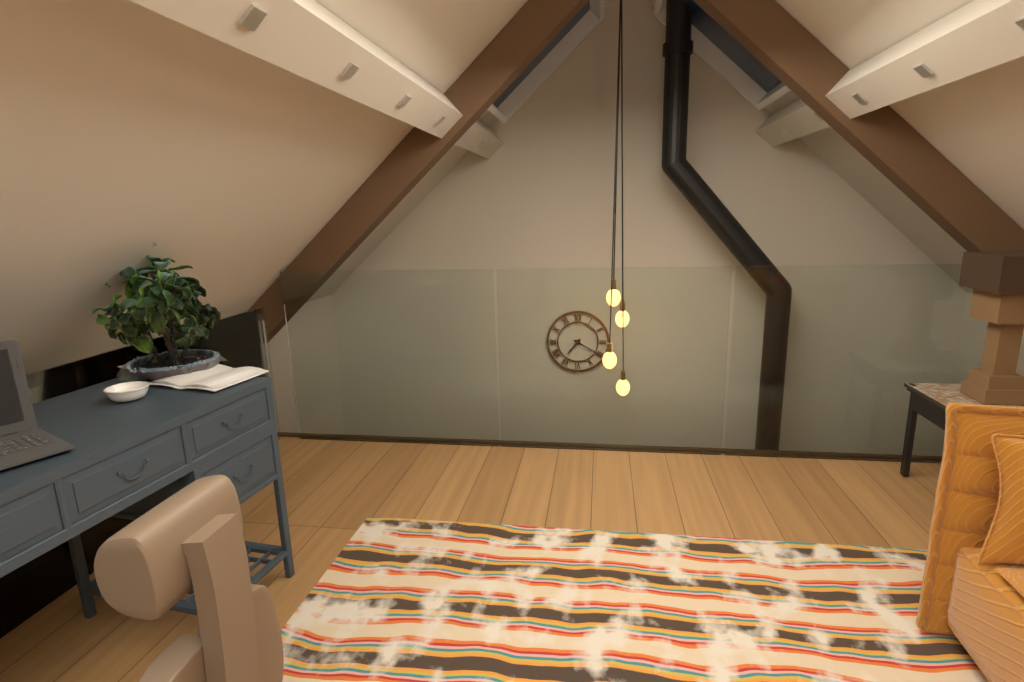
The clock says {"hour": 7, "minute": 20}
